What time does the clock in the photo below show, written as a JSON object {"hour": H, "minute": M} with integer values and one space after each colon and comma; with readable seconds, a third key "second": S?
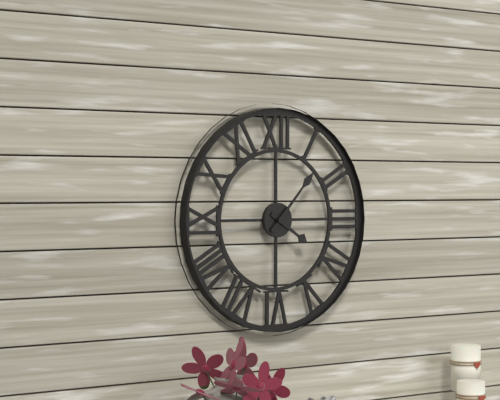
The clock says {"hour": 4, "minute": 7}
